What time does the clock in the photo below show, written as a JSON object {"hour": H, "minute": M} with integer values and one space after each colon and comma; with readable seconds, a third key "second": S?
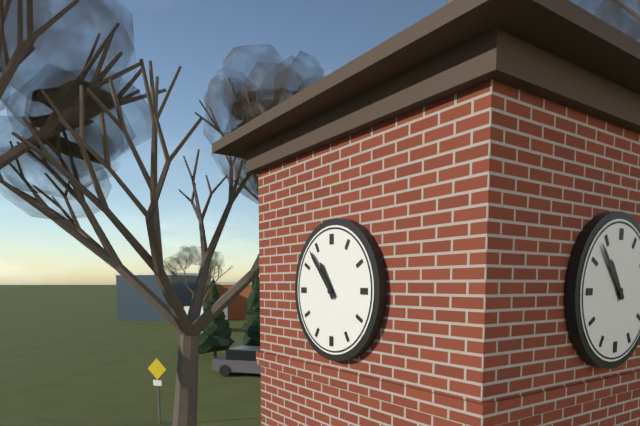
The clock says {"hour": 10, "minute": 53}
